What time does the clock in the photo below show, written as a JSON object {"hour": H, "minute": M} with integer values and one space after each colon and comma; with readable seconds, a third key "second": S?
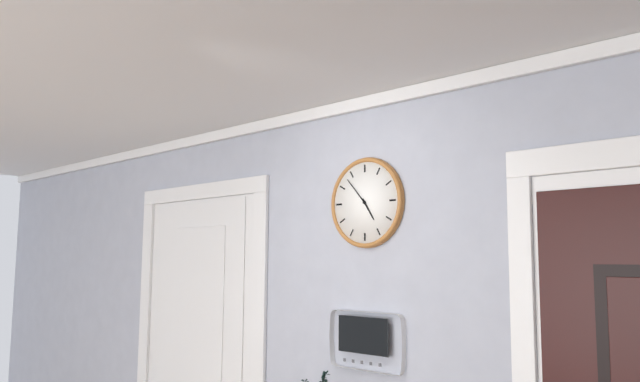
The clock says {"hour": 4, "minute": 53}
